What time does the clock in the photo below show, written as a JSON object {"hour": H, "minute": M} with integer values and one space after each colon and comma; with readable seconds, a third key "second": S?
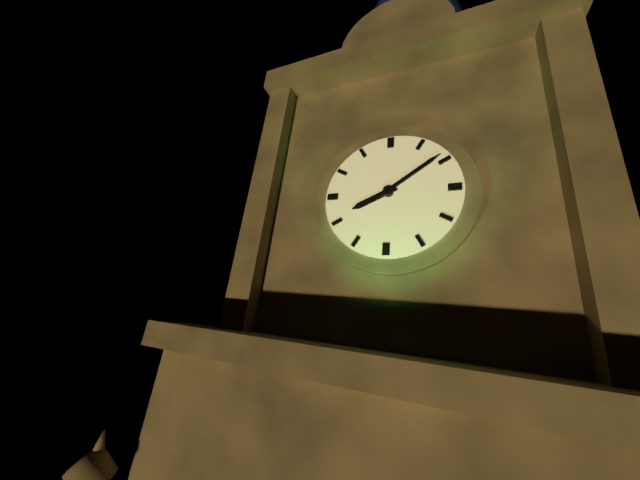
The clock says {"hour": 8, "minute": 9}
